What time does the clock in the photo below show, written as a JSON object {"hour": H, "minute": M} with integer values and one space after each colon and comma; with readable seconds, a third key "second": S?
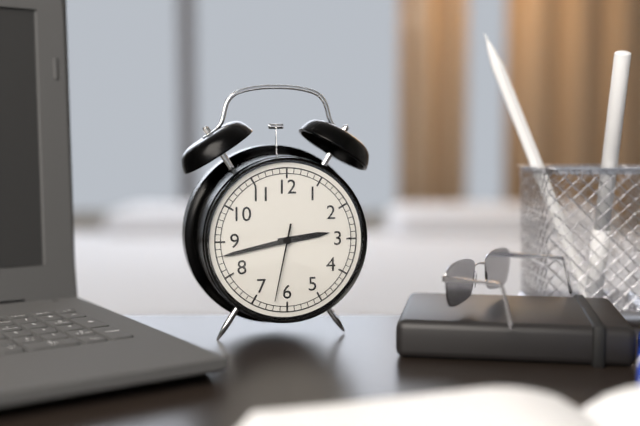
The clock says {"hour": 2, "minute": 43, "second": 32}
